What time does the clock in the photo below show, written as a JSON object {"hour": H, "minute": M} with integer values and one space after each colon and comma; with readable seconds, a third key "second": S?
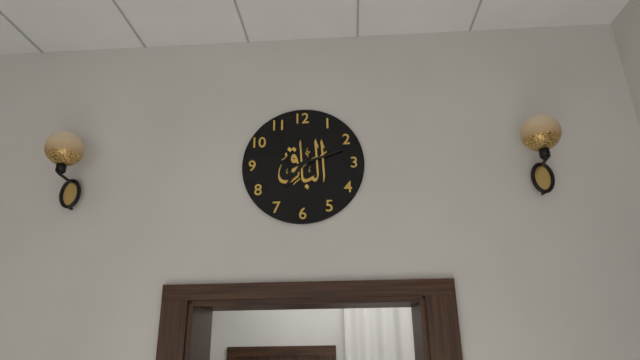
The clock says {"hour": 7, "minute": 12}
